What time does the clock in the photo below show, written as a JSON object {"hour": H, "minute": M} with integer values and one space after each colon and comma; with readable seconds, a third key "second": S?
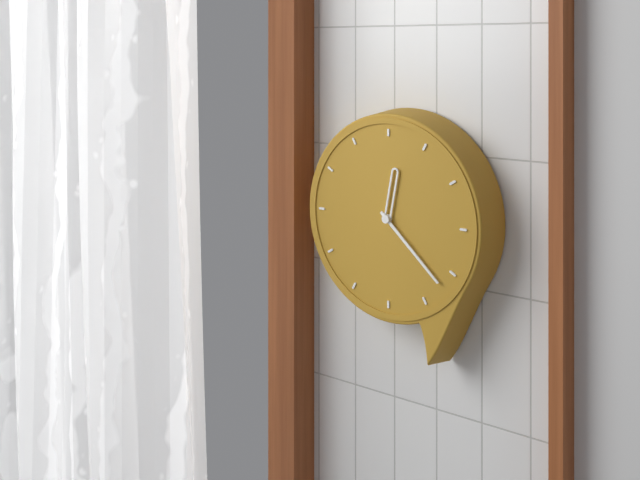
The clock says {"hour": 12, "minute": 22}
